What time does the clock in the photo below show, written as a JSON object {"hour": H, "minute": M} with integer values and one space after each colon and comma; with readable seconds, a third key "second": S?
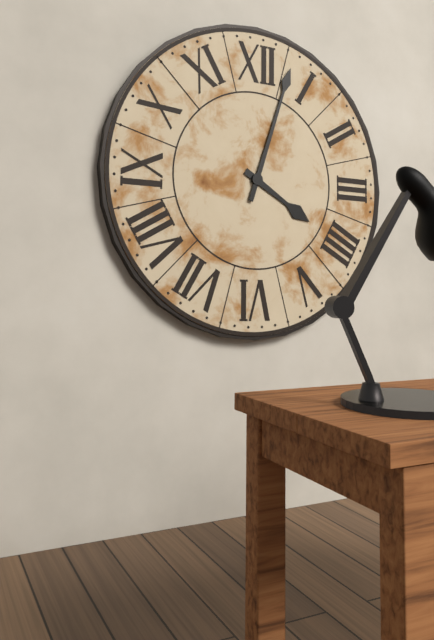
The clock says {"hour": 4, "minute": 3}
